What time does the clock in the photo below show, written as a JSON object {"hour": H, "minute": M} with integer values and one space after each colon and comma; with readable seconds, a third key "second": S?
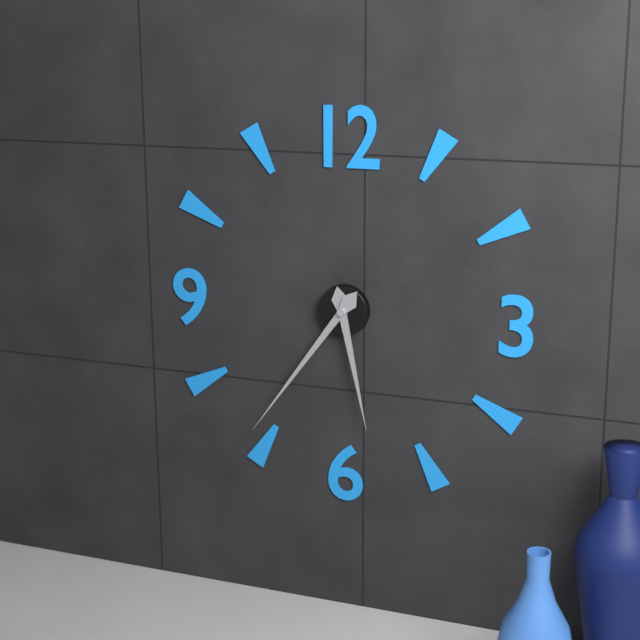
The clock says {"hour": 5, "minute": 36}
